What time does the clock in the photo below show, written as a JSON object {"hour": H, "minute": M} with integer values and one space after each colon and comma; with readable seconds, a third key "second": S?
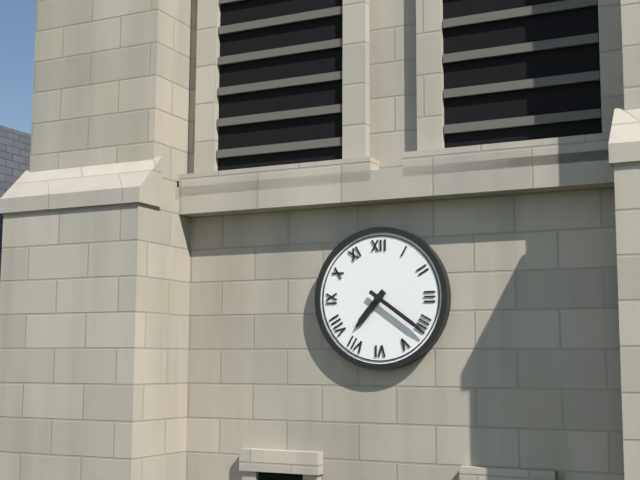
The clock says {"hour": 7, "minute": 21}
